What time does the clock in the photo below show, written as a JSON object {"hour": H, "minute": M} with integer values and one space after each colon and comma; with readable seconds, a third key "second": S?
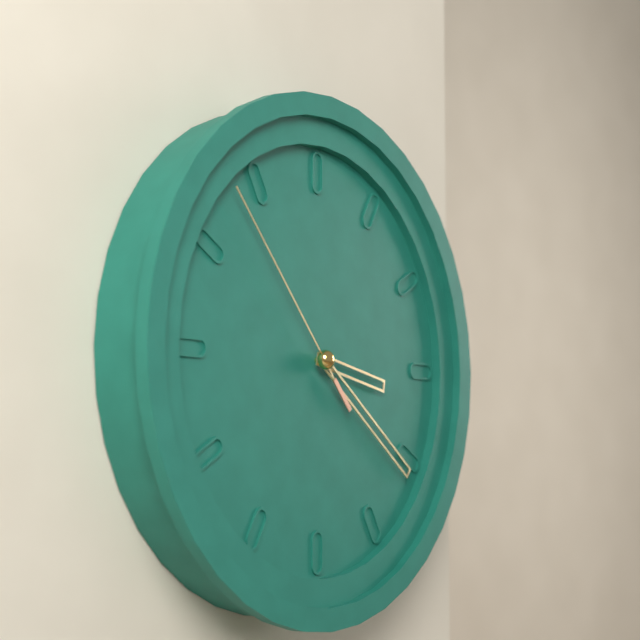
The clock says {"hour": 3, "minute": 21, "second": 53}
